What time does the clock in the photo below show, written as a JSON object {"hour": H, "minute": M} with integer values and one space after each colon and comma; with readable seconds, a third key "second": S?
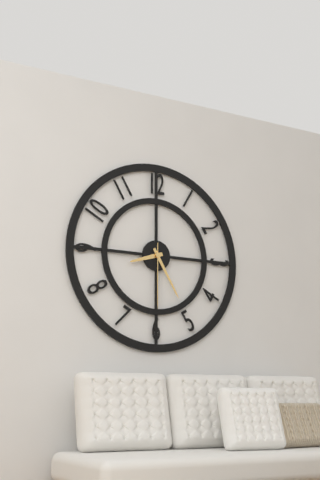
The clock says {"hour": 8, "minute": 25, "second": 30}
